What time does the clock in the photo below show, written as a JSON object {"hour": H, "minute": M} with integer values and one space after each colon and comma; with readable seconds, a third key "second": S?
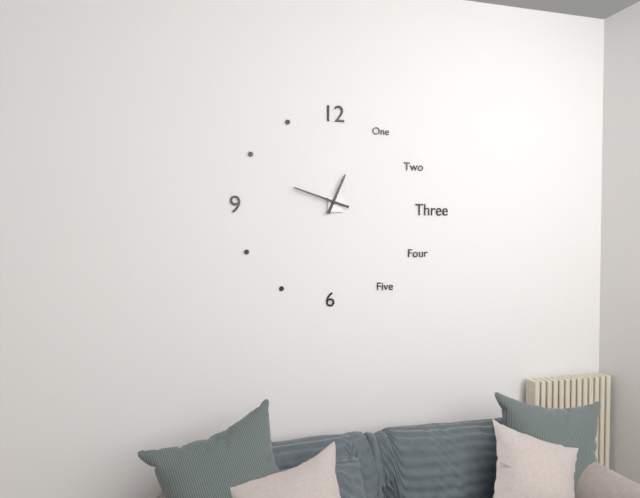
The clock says {"hour": 12, "minute": 48}
